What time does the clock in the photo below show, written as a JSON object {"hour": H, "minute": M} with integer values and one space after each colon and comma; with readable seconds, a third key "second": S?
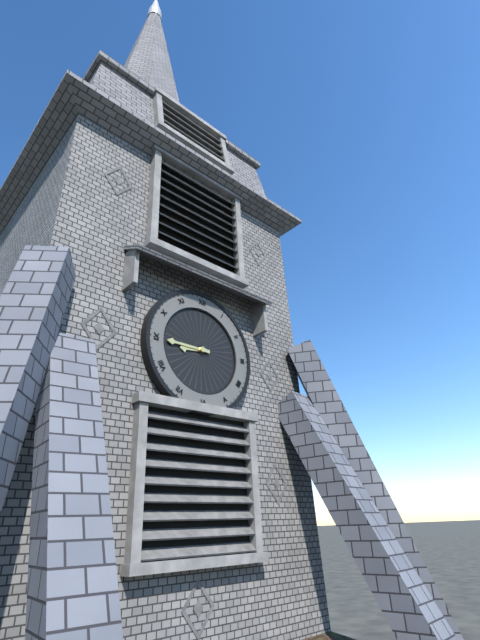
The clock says {"hour": 8, "minute": 45}
